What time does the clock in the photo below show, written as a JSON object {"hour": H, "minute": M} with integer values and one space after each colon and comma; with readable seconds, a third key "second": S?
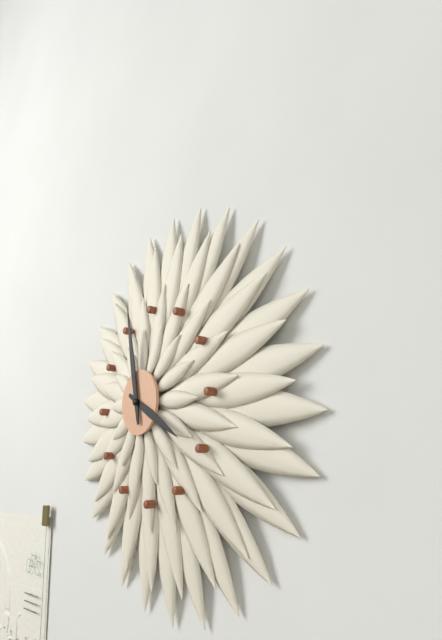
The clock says {"hour": 3, "minute": 58}
